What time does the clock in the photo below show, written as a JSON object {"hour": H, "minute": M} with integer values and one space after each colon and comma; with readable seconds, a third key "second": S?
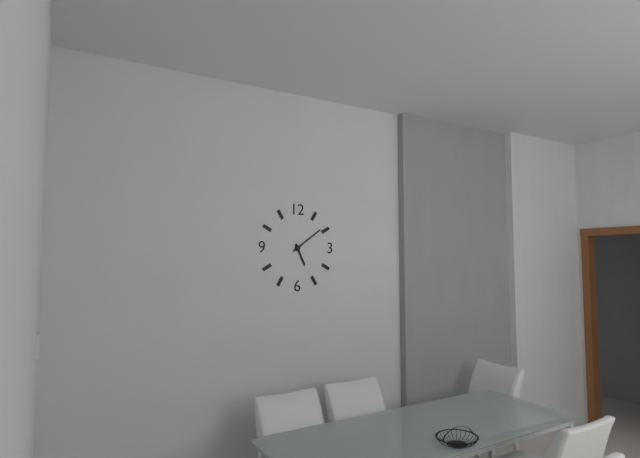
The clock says {"hour": 5, "minute": 9}
